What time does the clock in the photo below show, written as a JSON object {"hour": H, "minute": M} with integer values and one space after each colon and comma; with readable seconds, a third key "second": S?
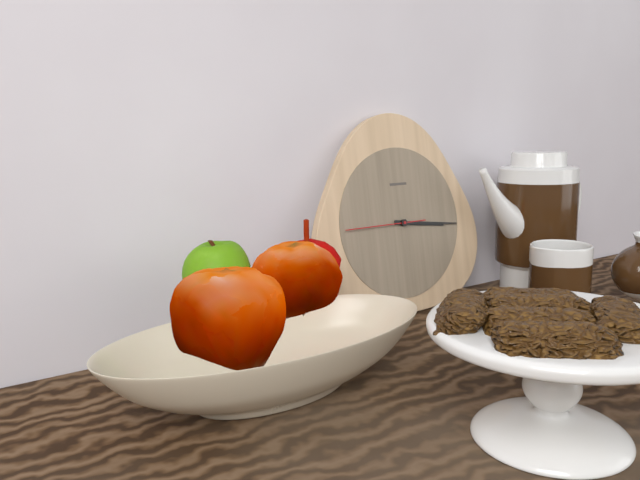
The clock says {"hour": 3, "minute": 16, "second": 45}
